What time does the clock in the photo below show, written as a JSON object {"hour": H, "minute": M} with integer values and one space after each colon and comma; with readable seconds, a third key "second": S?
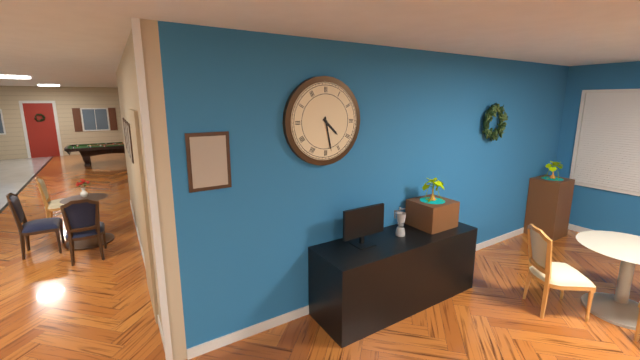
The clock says {"hour": 4, "minute": 28}
